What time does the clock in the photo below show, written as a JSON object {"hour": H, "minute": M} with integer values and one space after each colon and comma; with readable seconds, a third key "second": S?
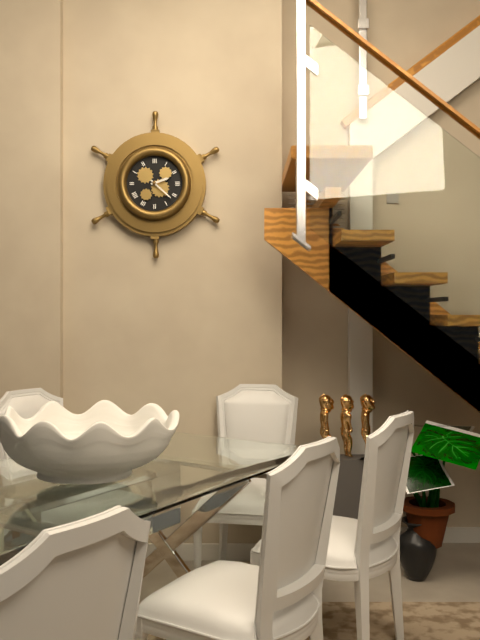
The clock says {"hour": 2, "minute": 22}
